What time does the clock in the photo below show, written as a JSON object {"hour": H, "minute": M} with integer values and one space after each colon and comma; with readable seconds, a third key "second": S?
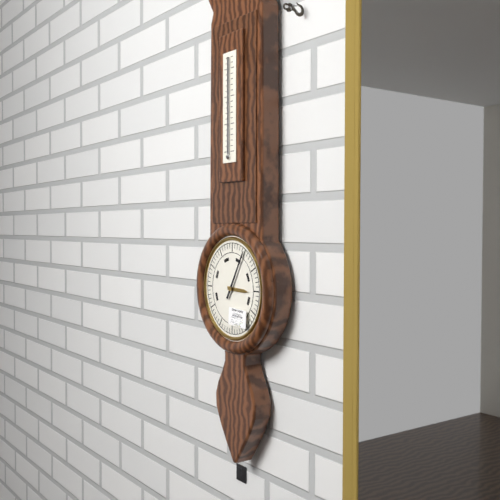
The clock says {"hour": 3, "minute": 5}
